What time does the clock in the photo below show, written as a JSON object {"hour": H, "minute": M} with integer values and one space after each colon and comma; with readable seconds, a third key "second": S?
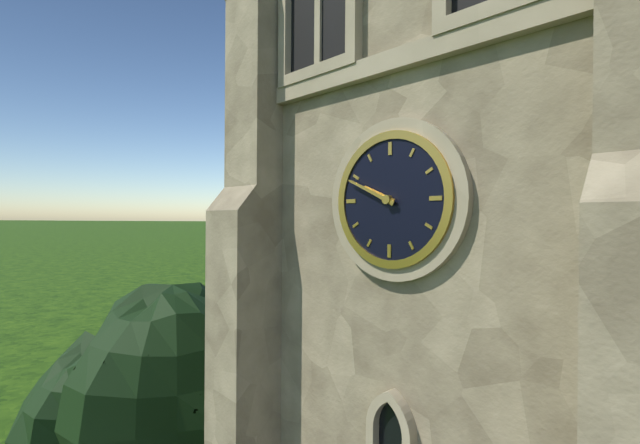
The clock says {"hour": 9, "minute": 49}
